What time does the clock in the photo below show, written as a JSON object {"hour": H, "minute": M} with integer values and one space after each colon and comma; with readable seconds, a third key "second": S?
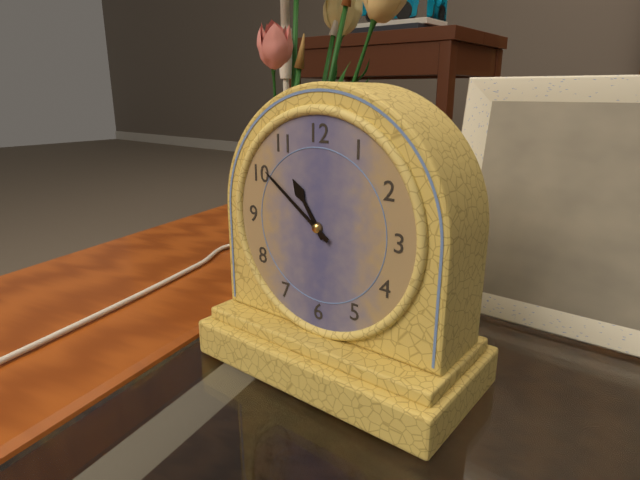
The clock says {"hour": 10, "minute": 51}
